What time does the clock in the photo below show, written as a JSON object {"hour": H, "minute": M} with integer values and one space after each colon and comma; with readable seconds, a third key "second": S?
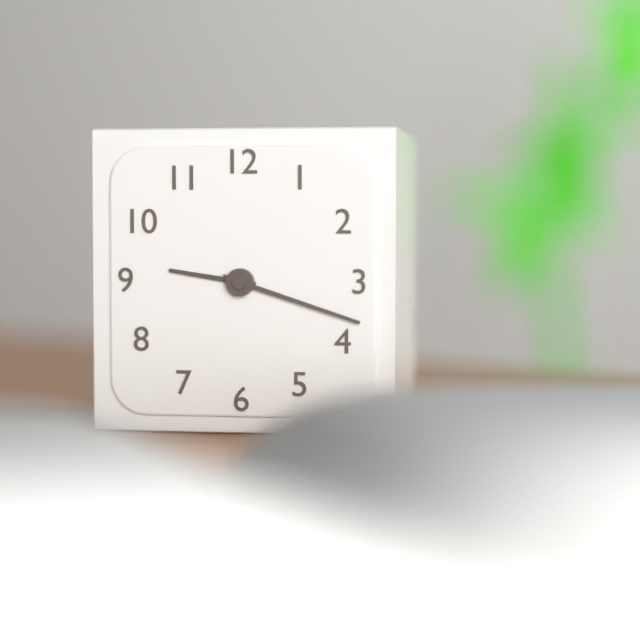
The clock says {"hour": 9, "minute": 18}
